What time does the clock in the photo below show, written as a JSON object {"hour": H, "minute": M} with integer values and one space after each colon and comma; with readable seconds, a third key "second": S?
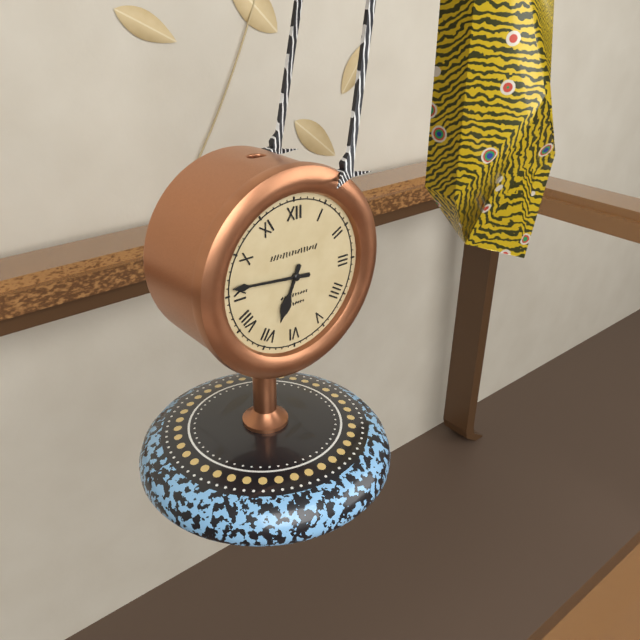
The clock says {"hour": 6, "minute": 46}
